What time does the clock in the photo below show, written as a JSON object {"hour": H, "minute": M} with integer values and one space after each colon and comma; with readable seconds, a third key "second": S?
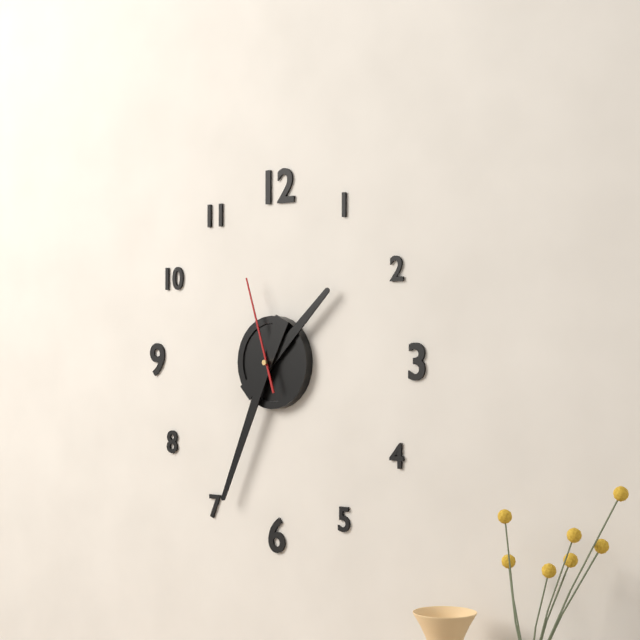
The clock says {"hour": 1, "minute": 34, "second": 57}
